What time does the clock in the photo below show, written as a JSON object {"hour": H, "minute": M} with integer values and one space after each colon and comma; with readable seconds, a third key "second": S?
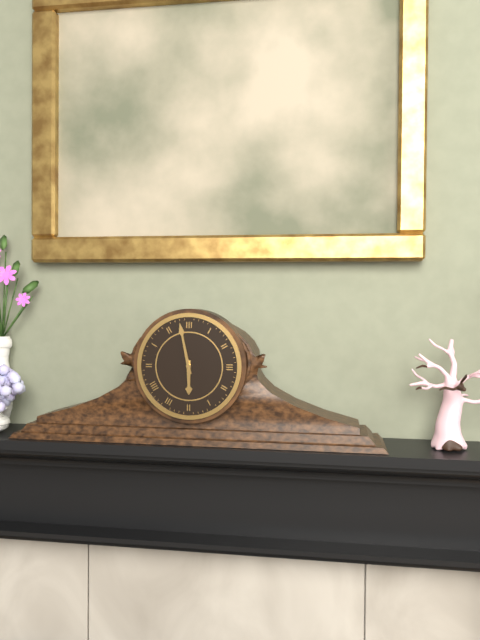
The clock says {"hour": 5, "minute": 58}
